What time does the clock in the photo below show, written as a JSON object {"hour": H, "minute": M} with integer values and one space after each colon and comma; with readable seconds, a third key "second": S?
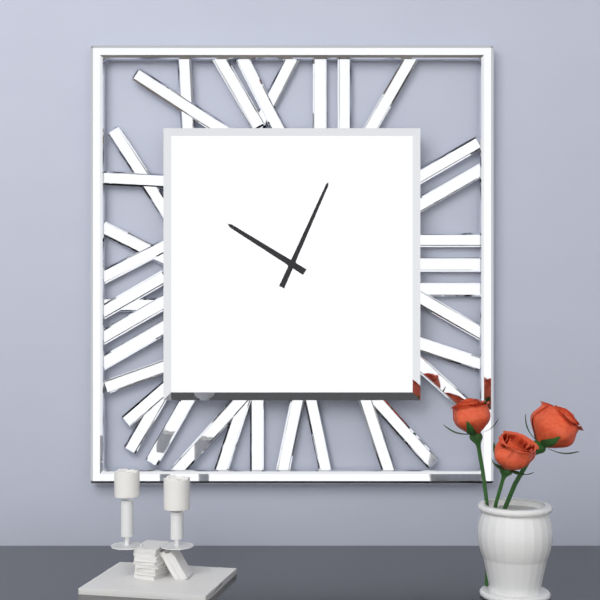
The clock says {"hour": 10, "minute": 4}
